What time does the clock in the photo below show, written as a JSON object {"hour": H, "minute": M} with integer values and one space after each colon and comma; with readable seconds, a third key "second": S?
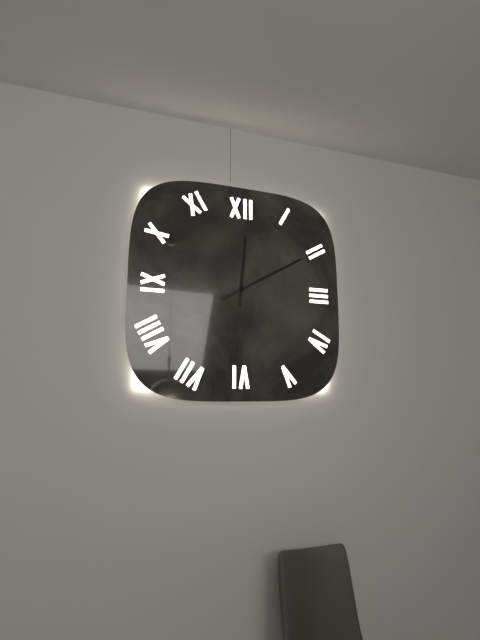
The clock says {"hour": 12, "minute": 10}
